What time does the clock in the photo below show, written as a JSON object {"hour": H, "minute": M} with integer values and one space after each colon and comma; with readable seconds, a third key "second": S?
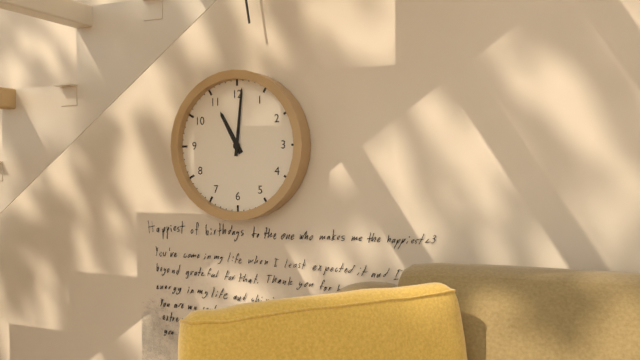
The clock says {"hour": 11, "minute": 1}
